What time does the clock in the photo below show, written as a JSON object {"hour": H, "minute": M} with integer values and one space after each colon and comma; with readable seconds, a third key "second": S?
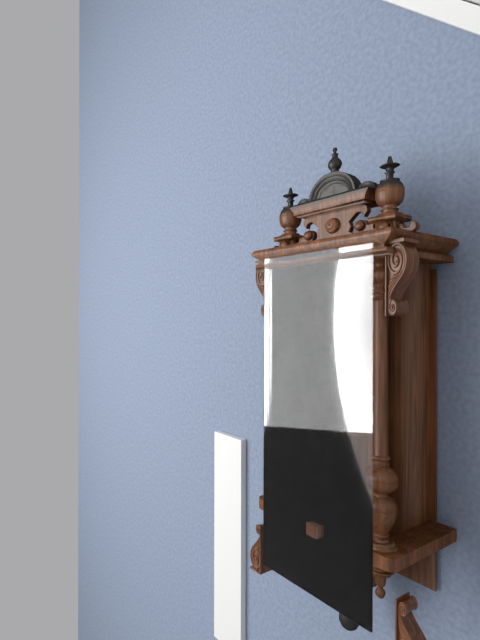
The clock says {"hour": 3, "minute": 51}
